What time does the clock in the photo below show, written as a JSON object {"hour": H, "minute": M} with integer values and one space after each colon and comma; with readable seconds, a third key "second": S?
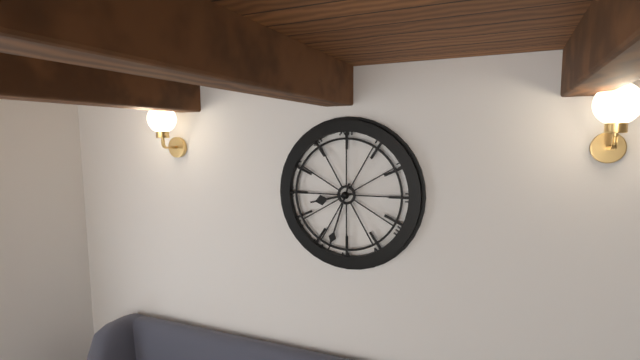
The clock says {"hour": 8, "minute": 33}
